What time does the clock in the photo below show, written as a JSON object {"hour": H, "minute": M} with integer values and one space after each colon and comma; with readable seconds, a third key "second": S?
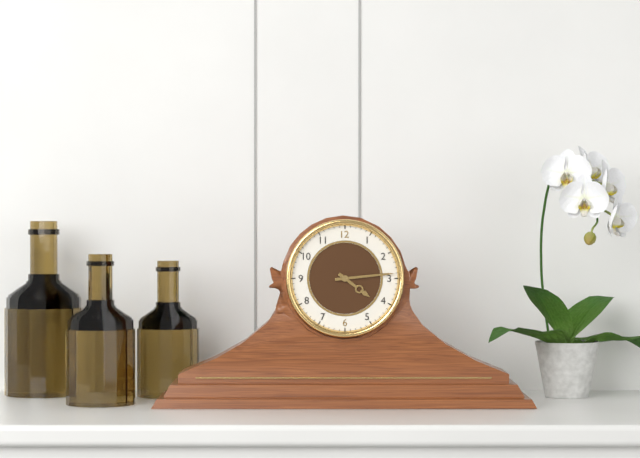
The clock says {"hour": 4, "minute": 14}
